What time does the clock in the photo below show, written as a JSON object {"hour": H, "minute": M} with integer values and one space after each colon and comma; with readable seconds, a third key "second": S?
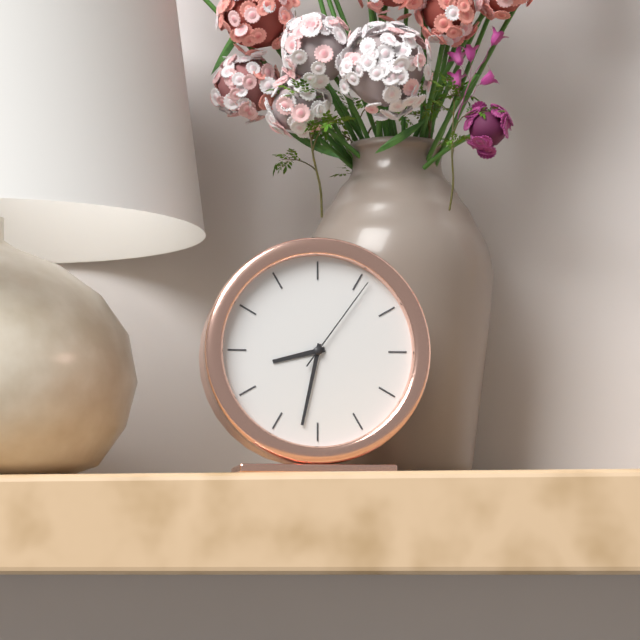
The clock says {"hour": 8, "minute": 32, "second": 6}
